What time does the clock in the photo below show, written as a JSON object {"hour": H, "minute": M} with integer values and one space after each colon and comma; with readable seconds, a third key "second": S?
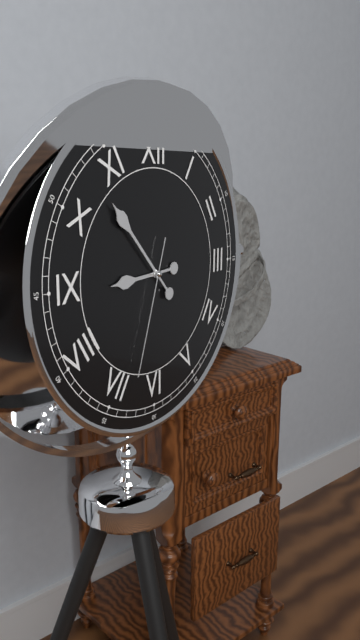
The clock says {"hour": 8, "minute": 53, "second": 33}
